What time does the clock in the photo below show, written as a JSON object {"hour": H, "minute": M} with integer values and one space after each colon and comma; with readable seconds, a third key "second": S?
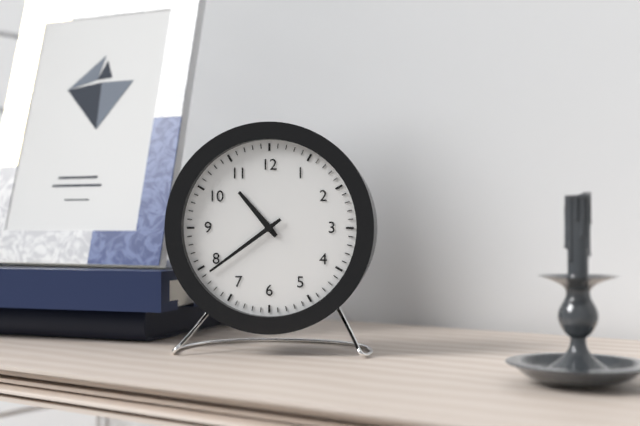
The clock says {"hour": 10, "minute": 39}
